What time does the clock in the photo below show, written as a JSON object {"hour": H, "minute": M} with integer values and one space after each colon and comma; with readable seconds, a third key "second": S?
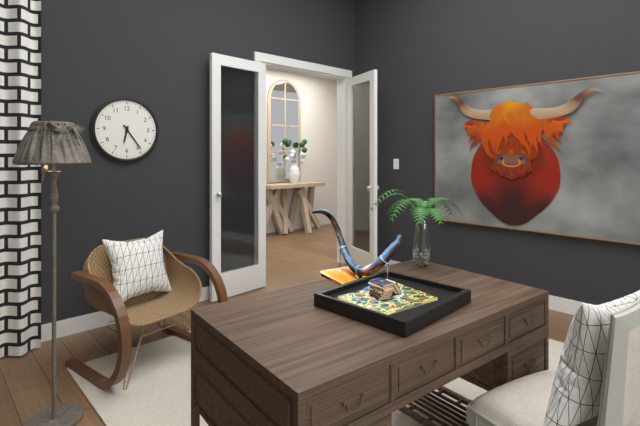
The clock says {"hour": 6, "minute": 24}
